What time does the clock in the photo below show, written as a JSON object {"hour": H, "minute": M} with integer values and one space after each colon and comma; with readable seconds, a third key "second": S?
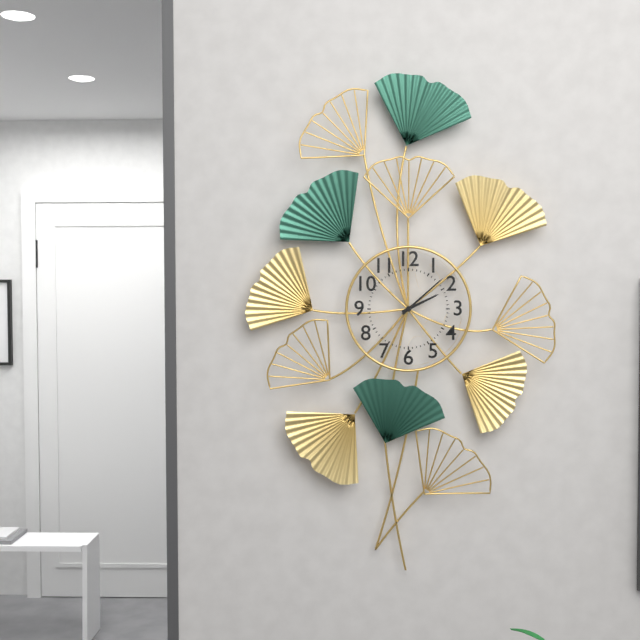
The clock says {"hour": 2, "minute": 8}
